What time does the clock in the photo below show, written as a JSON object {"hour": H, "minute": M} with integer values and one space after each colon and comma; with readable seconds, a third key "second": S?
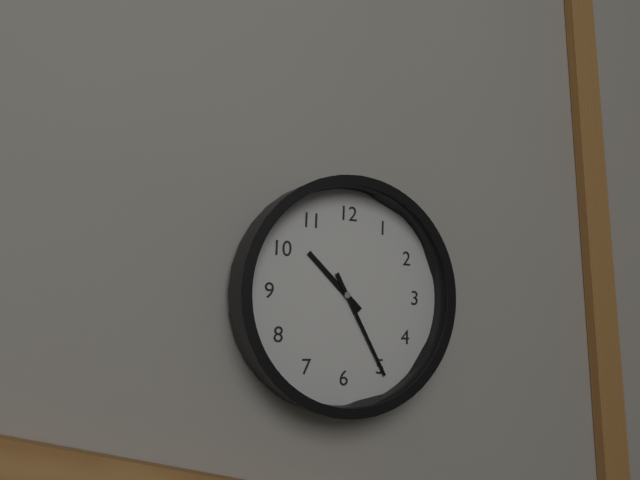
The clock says {"hour": 10, "minute": 25}
